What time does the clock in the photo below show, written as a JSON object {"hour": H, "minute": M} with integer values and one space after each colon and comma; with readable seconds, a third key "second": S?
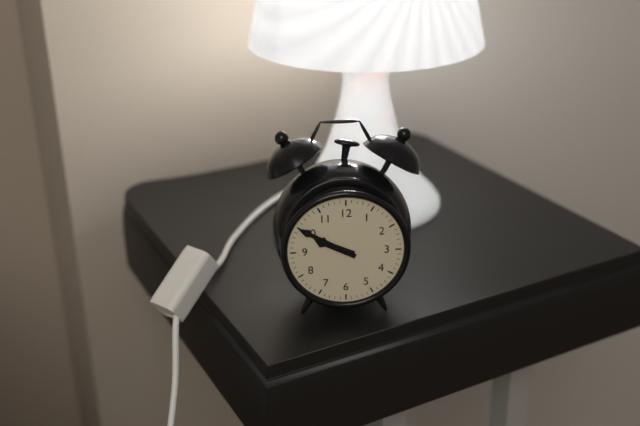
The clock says {"hour": 9, "minute": 50}
